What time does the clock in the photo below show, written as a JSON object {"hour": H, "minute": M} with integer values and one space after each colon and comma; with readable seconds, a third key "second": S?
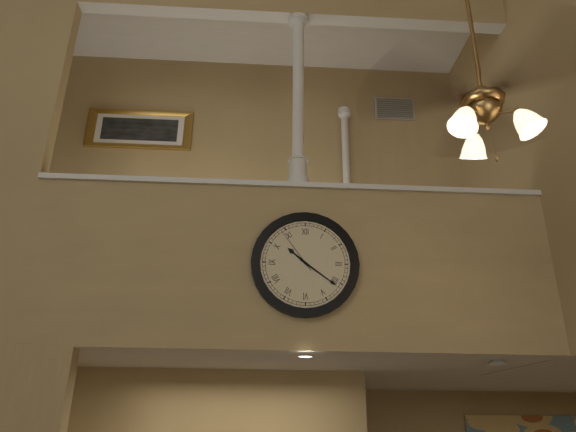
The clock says {"hour": 10, "minute": 21}
